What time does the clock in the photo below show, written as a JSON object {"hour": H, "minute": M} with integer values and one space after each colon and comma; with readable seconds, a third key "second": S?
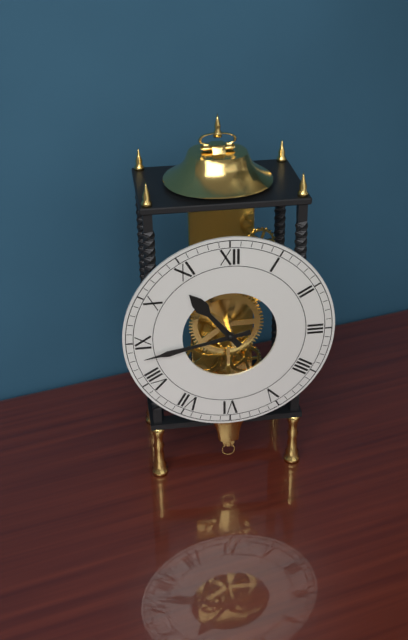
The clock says {"hour": 10, "minute": 43}
